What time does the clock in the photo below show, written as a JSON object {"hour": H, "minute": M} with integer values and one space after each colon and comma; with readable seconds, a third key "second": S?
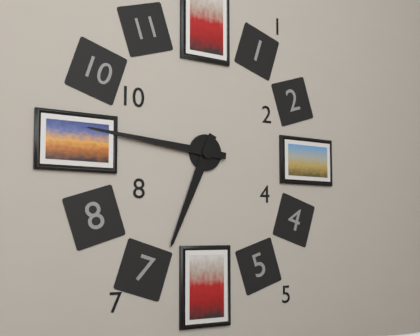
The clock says {"hour": 6, "minute": 46}
